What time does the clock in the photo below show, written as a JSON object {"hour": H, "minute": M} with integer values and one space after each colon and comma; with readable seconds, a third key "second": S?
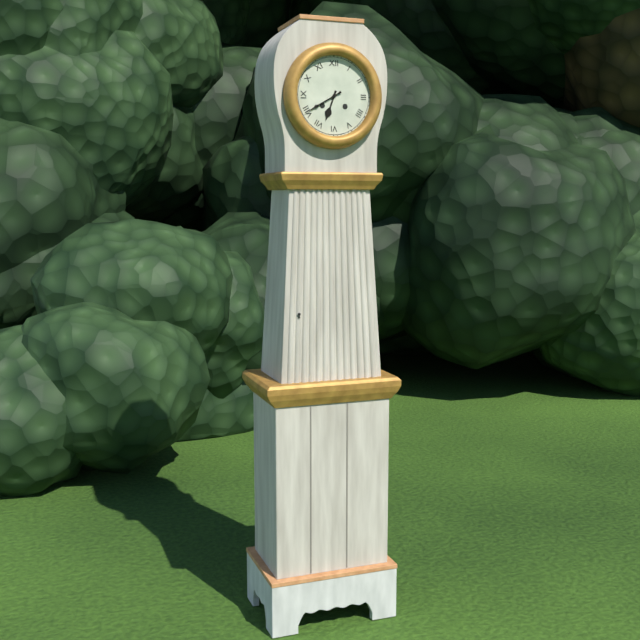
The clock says {"hour": 6, "minute": 40}
